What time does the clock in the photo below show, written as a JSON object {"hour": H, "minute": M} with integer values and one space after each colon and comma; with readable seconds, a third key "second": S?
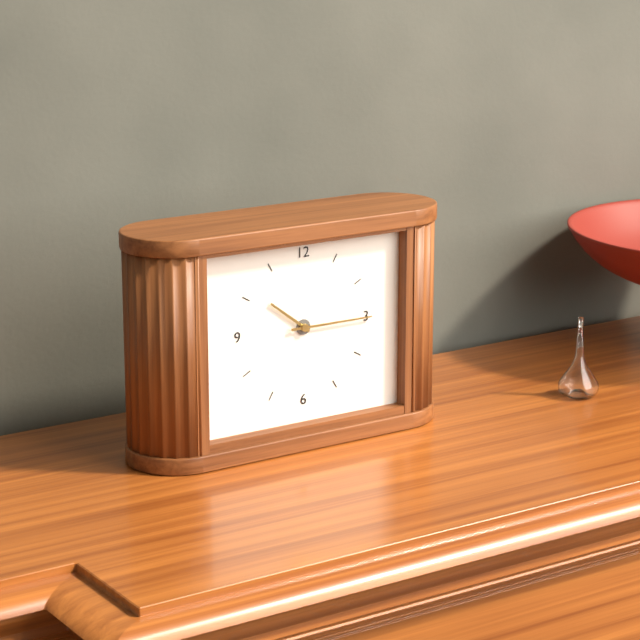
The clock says {"hour": 10, "minute": 15}
